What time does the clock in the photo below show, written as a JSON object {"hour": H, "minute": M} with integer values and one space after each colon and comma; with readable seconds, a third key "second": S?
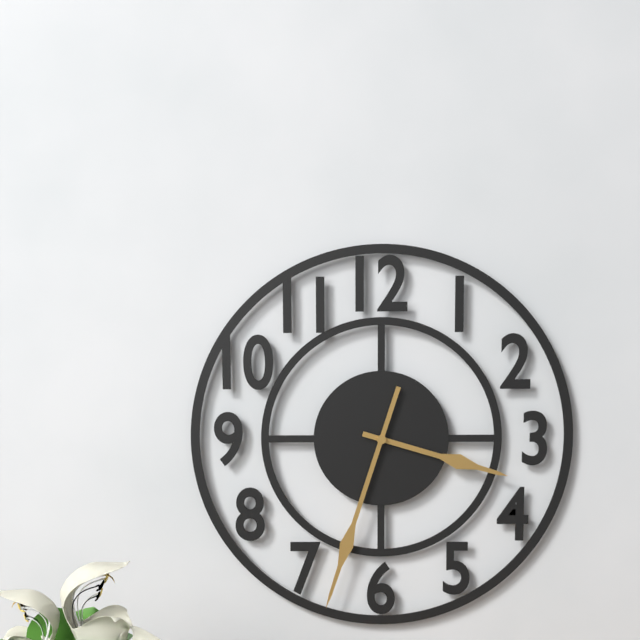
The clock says {"hour": 3, "minute": 33}
